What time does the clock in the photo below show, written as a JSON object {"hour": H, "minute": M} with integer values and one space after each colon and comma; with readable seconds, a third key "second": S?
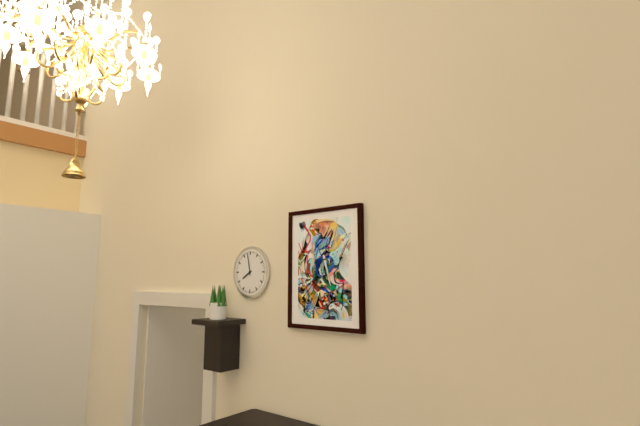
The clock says {"hour": 7, "minute": 58}
